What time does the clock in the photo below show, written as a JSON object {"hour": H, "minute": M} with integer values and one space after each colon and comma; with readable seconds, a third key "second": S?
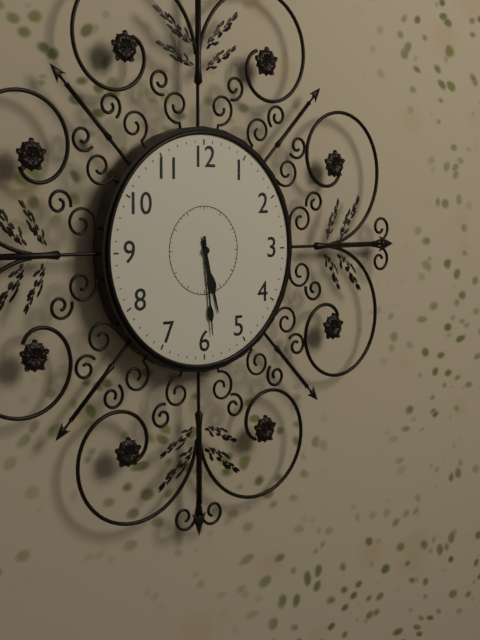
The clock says {"hour": 5, "minute": 29}
